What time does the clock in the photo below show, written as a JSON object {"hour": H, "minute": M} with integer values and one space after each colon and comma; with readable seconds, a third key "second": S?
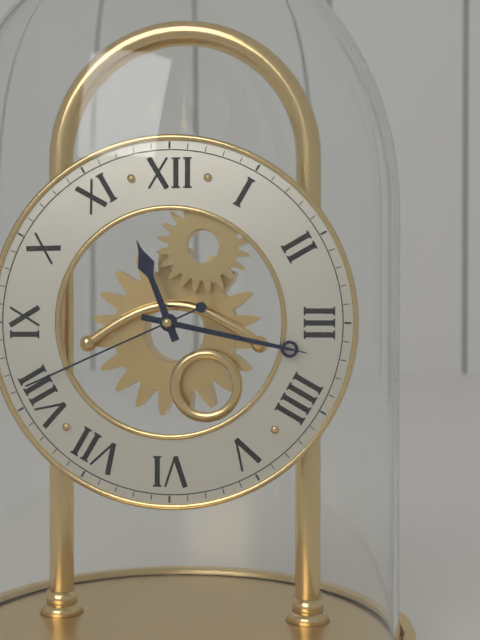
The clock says {"hour": 11, "minute": 17, "second": 41}
